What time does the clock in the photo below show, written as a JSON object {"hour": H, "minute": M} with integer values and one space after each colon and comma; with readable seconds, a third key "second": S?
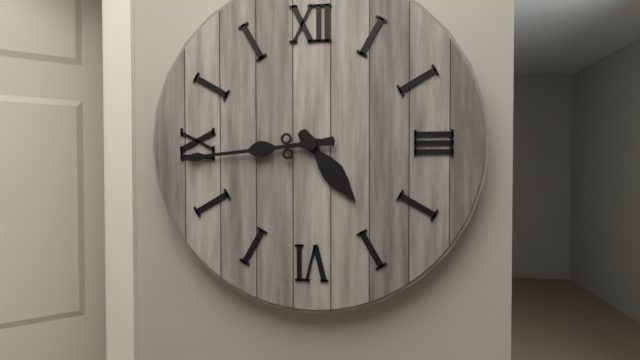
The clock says {"hour": 4, "minute": 44}
